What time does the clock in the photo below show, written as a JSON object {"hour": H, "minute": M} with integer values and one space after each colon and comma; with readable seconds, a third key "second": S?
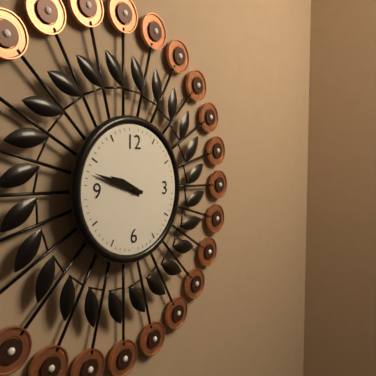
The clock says {"hour": 9, "minute": 48}
